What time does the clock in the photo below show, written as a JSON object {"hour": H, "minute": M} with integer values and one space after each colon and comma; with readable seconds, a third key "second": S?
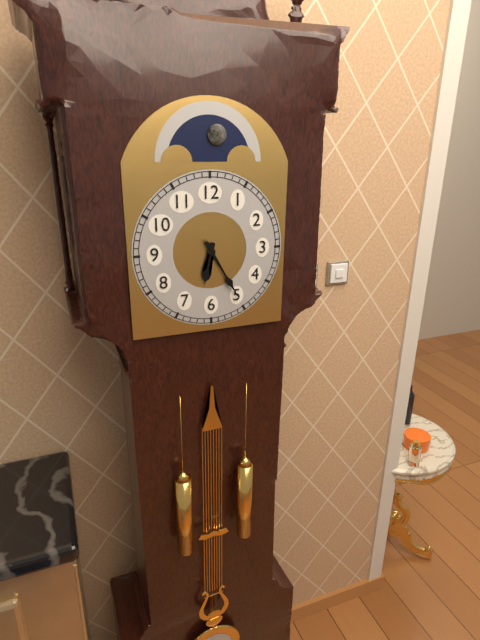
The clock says {"hour": 6, "minute": 25}
